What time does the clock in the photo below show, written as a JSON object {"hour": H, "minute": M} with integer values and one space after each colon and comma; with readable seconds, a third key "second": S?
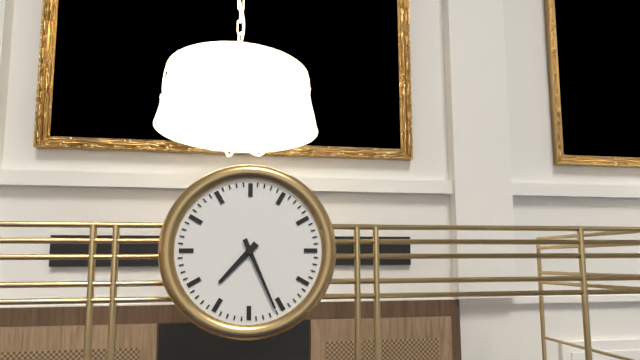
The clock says {"hour": 7, "minute": 26}
